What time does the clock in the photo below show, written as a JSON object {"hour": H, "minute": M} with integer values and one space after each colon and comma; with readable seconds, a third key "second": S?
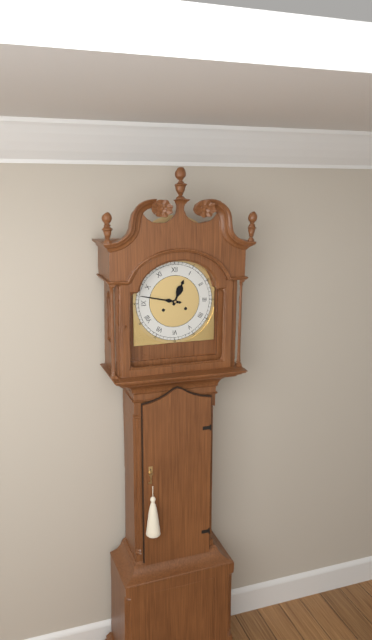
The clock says {"hour": 12, "minute": 47}
